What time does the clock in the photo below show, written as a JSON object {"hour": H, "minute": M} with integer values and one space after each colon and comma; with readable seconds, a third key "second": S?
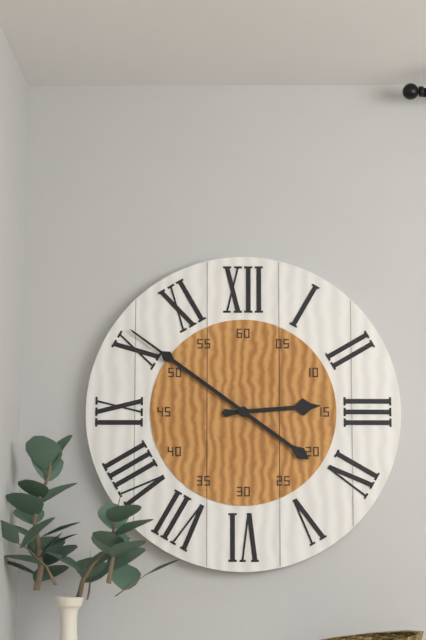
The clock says {"hour": 2, "minute": 51}
